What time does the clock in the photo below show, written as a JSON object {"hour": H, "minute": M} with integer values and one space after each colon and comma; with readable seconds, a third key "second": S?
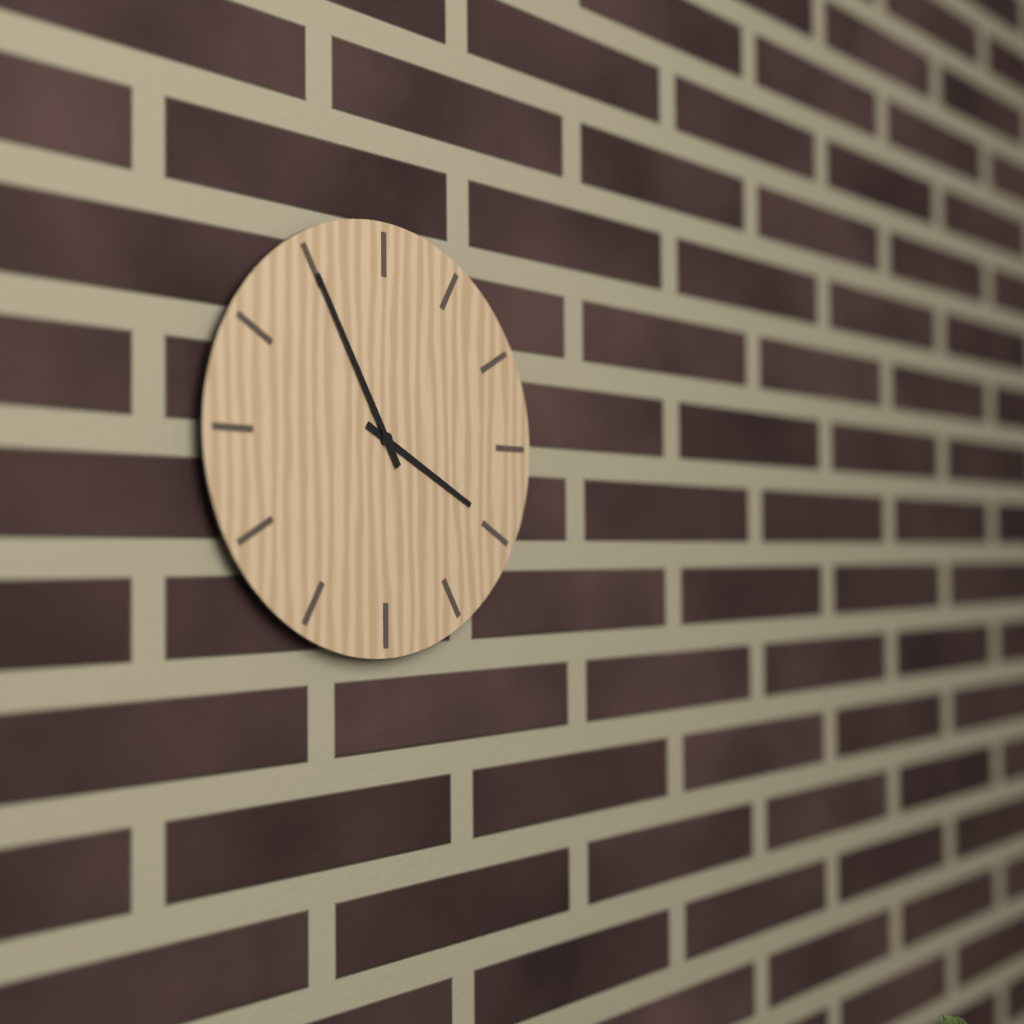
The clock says {"hour": 3, "minute": 55}
